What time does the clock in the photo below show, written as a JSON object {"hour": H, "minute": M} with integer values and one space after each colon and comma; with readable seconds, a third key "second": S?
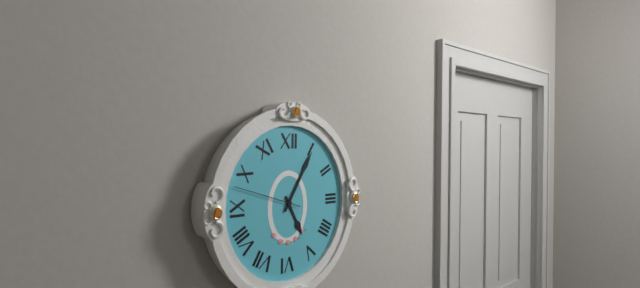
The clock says {"hour": 5, "minute": 5, "second": 48}
